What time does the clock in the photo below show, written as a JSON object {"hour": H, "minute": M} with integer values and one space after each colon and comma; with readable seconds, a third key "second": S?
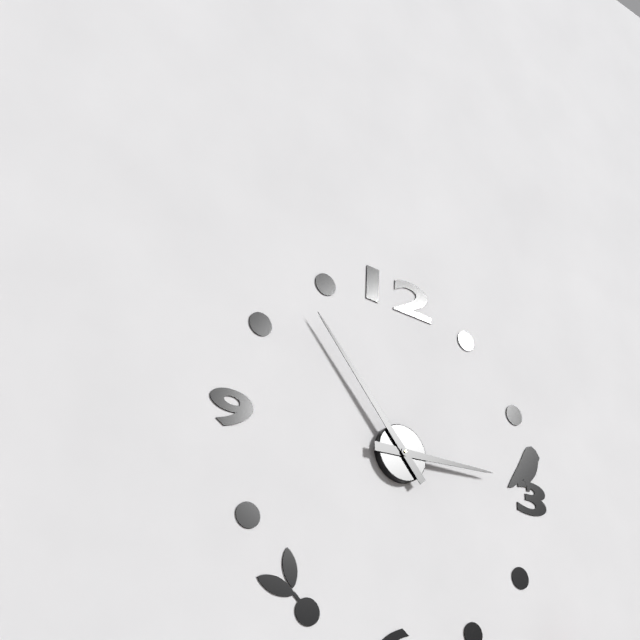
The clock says {"hour": 2, "minute": 53}
